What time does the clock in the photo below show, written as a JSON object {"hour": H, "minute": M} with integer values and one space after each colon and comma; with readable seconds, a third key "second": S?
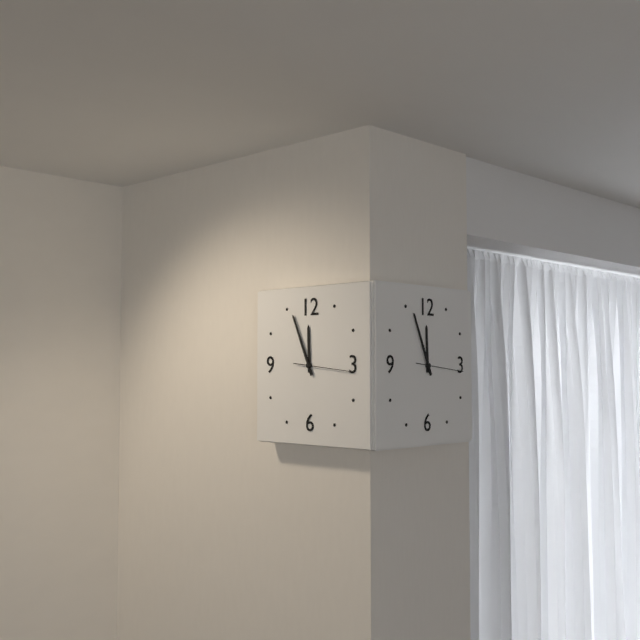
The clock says {"hour": 11, "minute": 56, "second": 16}
